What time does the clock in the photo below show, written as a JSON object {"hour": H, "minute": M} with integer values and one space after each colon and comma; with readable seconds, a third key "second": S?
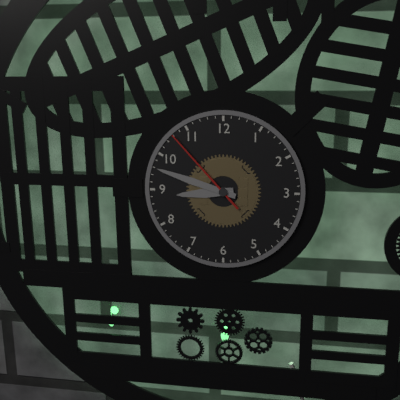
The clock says {"hour": 8, "minute": 48, "second": 53}
